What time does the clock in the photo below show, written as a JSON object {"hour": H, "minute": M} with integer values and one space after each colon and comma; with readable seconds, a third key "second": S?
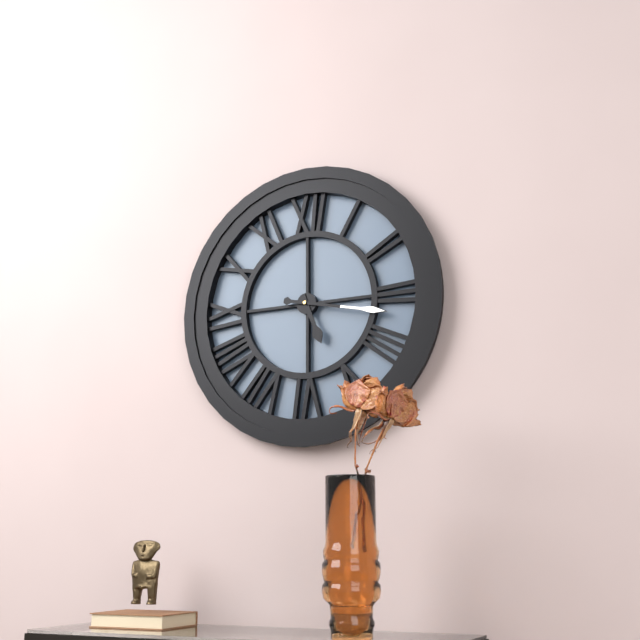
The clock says {"hour": 5, "minute": 17}
